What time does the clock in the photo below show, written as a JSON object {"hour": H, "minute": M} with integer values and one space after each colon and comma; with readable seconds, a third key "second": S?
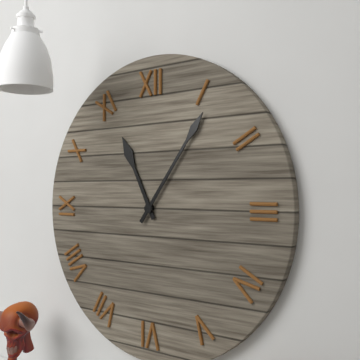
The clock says {"hour": 11, "minute": 6}
